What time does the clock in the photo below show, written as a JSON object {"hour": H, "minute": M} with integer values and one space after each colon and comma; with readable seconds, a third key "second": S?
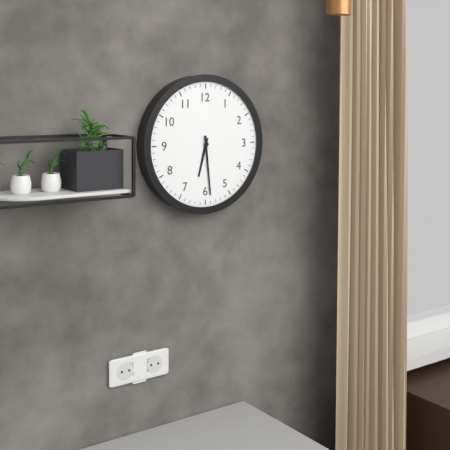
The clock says {"hour": 6, "minute": 29}
